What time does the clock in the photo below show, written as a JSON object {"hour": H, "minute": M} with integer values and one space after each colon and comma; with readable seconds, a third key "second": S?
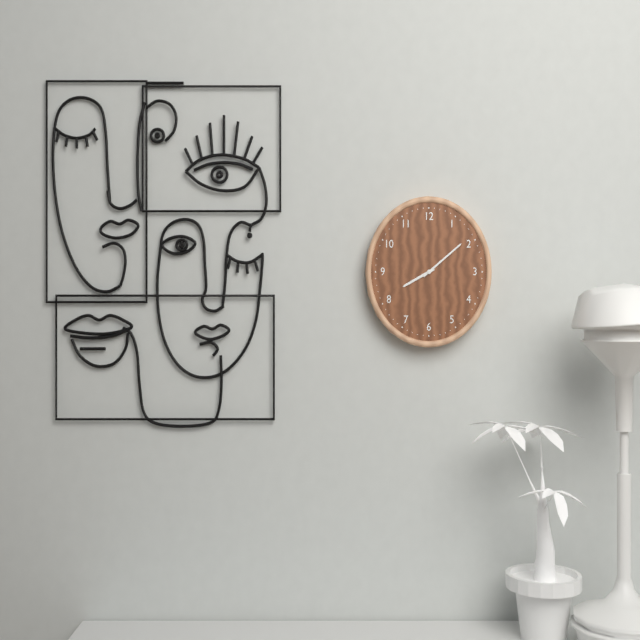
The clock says {"hour": 8, "minute": 9}
